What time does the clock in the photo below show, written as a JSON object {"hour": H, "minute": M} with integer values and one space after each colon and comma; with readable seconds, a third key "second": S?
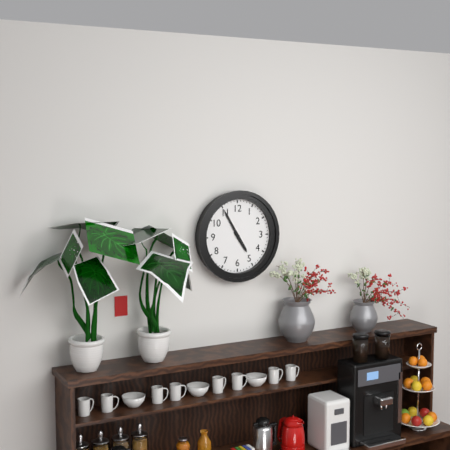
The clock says {"hour": 4, "minute": 55}
